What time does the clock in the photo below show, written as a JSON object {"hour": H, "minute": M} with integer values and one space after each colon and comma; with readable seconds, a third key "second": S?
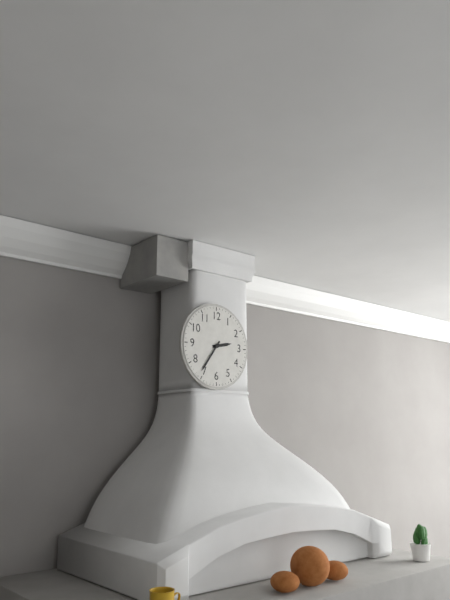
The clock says {"hour": 2, "minute": 36}
